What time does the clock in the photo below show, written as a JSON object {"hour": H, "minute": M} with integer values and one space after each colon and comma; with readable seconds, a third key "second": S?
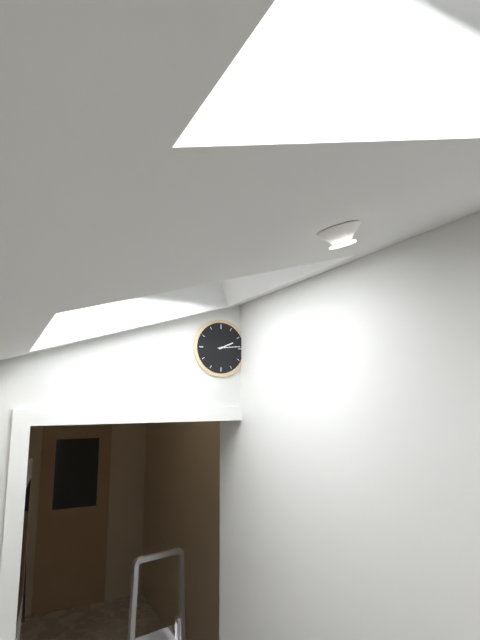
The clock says {"hour": 2, "minute": 14}
